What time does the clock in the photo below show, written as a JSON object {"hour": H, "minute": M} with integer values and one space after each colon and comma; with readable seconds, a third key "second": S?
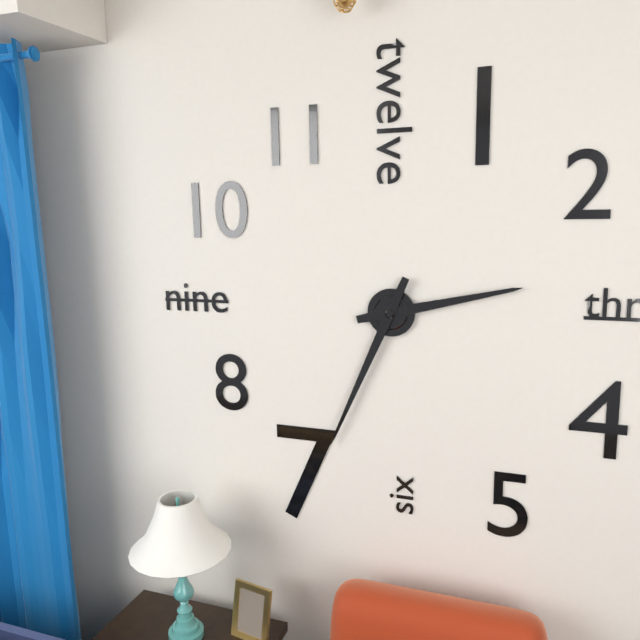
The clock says {"hour": 2, "minute": 34}
